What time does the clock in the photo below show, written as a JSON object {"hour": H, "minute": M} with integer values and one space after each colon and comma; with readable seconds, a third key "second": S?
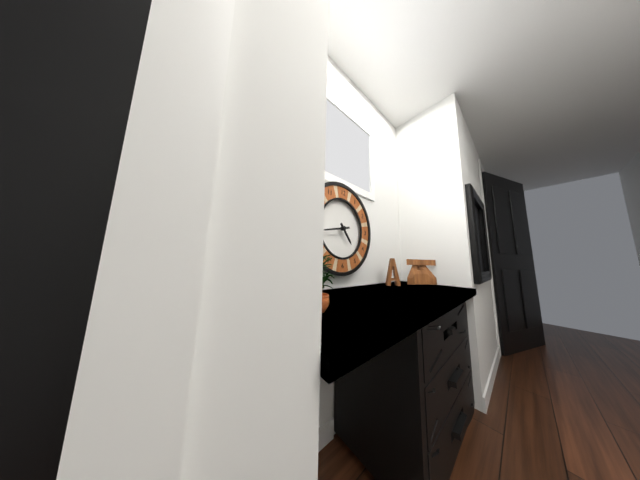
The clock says {"hour": 4, "minute": 43}
